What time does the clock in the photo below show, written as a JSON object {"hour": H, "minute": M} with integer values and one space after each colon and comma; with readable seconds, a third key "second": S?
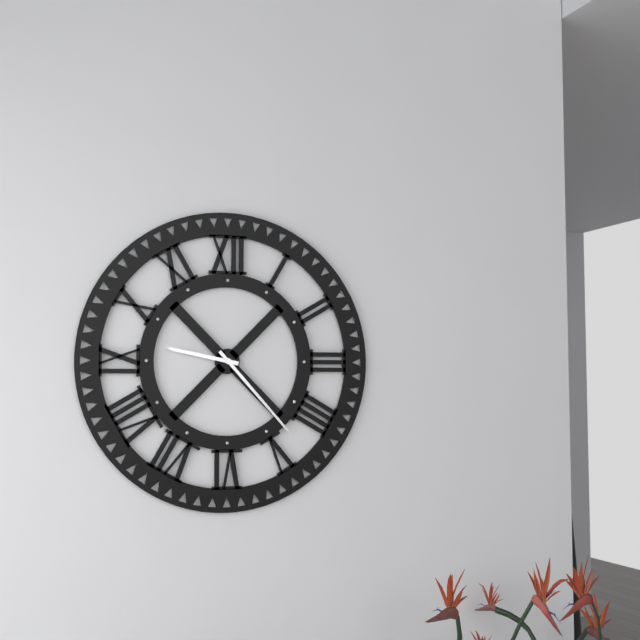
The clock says {"hour": 9, "minute": 23}
